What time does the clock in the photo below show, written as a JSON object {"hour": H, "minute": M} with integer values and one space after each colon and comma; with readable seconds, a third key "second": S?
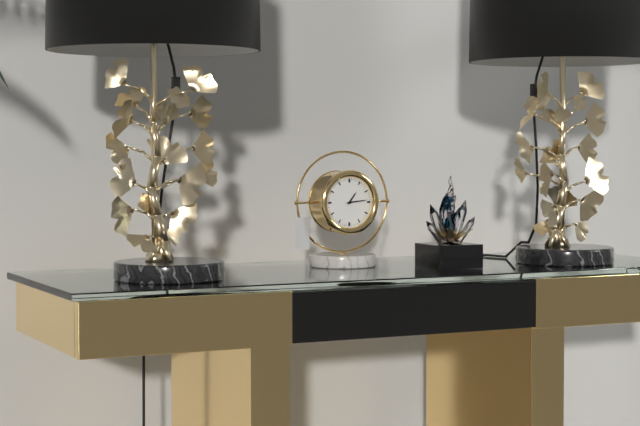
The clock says {"hour": 1, "minute": 14}
